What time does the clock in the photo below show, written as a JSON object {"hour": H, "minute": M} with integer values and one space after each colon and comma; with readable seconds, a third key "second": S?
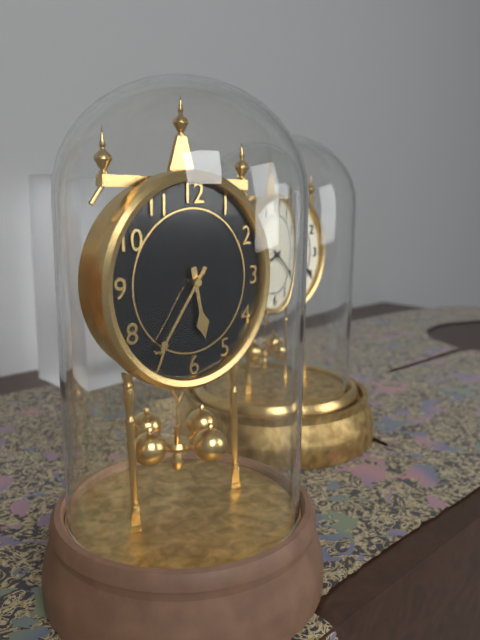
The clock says {"hour": 5, "minute": 36}
